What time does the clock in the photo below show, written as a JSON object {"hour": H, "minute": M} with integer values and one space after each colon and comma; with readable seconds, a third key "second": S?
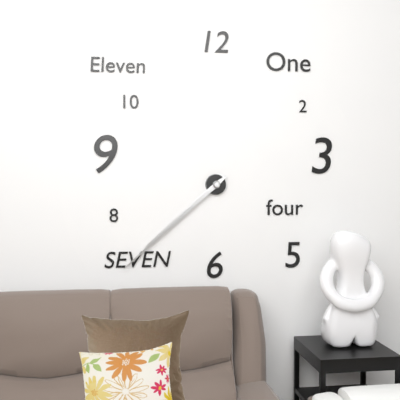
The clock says {"hour": 7, "minute": 38}
